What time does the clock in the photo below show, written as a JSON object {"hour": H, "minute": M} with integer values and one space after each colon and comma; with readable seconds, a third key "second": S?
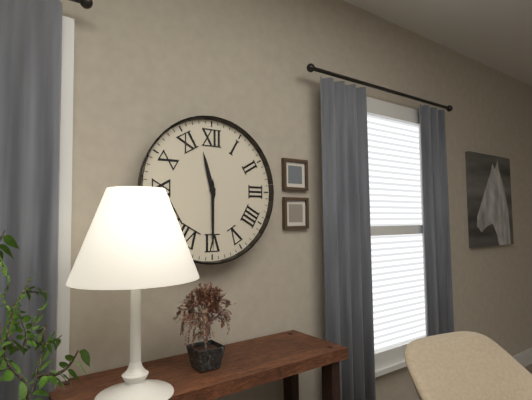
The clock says {"hour": 11, "minute": 30}
